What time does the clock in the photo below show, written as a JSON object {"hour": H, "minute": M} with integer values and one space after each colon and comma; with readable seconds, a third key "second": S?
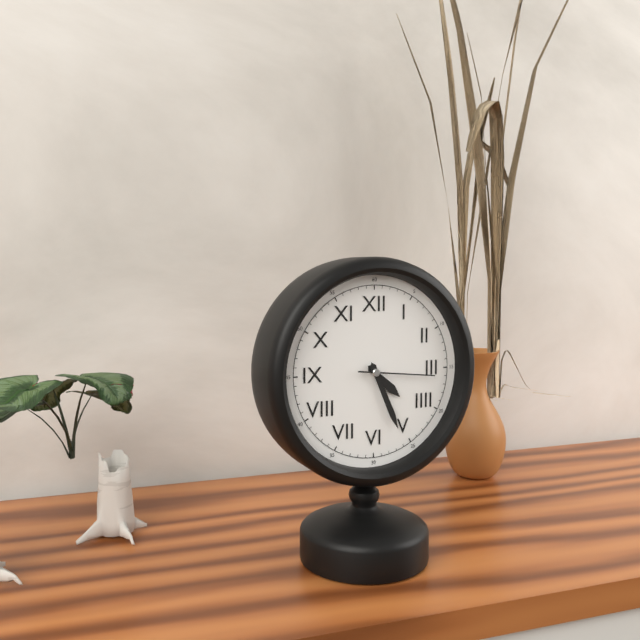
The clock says {"hour": 4, "minute": 26, "second": 16}
